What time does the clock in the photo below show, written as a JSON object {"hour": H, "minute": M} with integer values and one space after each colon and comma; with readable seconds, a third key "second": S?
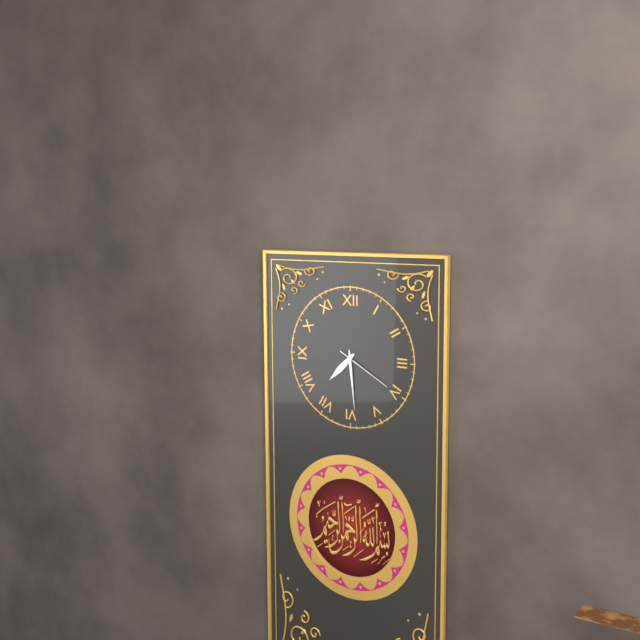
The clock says {"hour": 7, "minute": 29, "second": 20}
